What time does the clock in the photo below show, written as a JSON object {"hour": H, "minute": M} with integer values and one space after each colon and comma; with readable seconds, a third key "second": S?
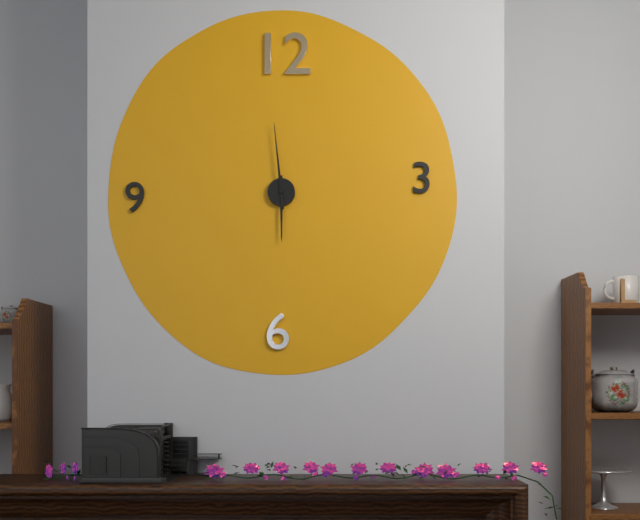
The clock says {"hour": 5, "minute": 59}
